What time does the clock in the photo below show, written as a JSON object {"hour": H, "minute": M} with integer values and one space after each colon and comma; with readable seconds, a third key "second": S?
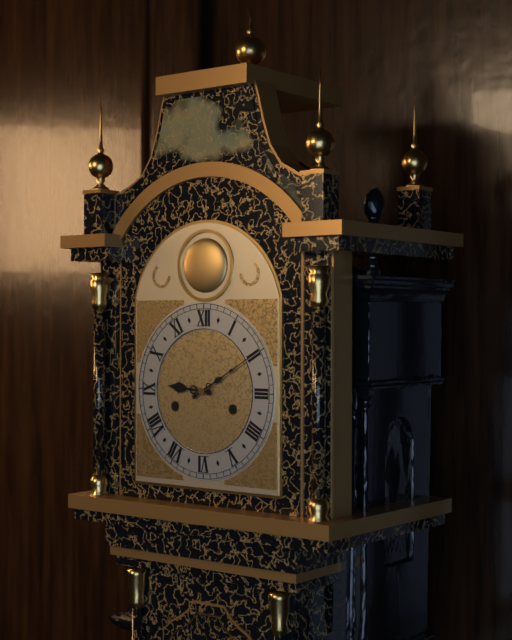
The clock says {"hour": 9, "minute": 10}
